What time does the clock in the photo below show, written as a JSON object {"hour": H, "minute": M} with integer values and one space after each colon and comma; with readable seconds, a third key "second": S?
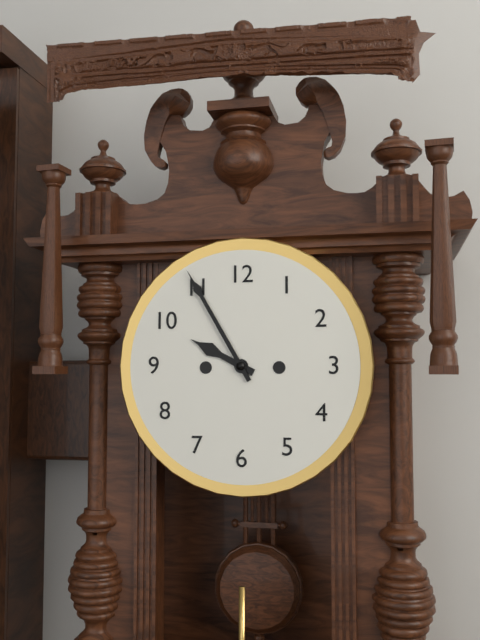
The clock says {"hour": 9, "minute": 55}
